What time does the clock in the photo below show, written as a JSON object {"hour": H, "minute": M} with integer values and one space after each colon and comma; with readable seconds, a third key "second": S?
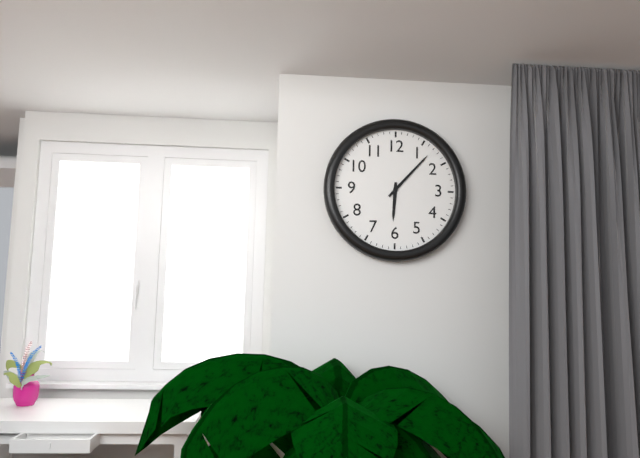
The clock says {"hour": 6, "minute": 7}
